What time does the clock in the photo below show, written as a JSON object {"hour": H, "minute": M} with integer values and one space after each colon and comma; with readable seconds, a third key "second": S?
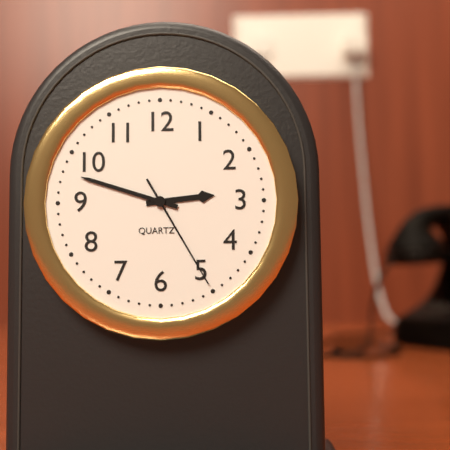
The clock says {"hour": 2, "minute": 48, "second": 25}
